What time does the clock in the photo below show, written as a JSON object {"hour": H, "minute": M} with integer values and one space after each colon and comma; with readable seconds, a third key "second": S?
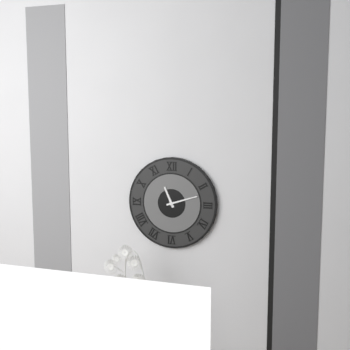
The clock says {"hour": 11, "minute": 12}
